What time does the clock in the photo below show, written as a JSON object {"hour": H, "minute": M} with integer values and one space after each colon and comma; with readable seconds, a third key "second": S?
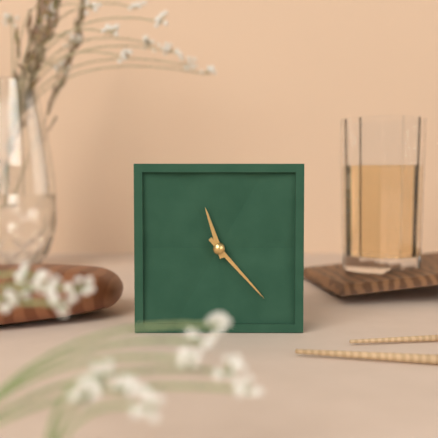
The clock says {"hour": 11, "minute": 23}
